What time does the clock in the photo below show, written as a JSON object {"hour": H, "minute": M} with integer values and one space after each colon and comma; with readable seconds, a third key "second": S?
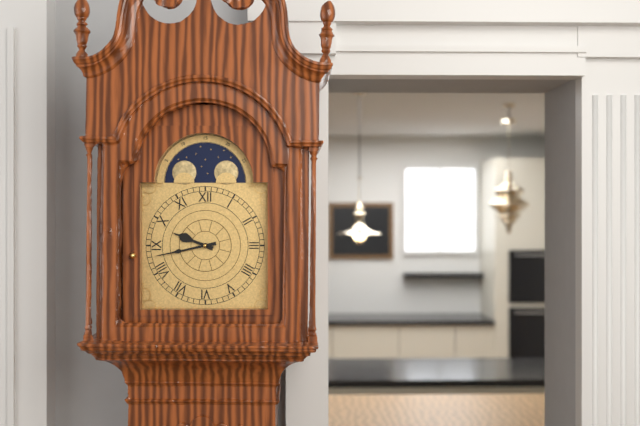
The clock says {"hour": 9, "minute": 43}
